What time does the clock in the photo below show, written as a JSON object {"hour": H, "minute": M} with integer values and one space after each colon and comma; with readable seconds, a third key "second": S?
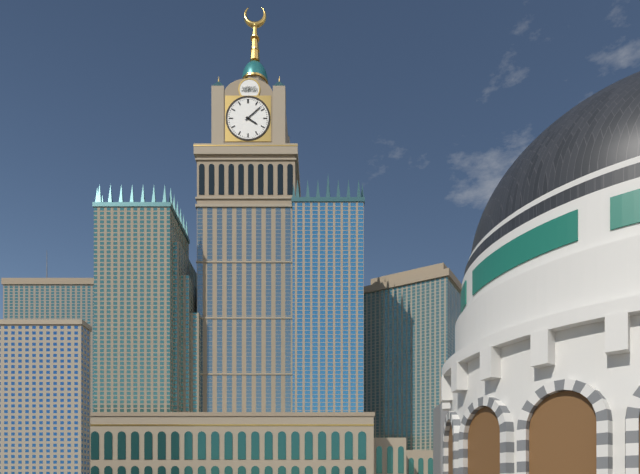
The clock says {"hour": 4, "minute": 8}
